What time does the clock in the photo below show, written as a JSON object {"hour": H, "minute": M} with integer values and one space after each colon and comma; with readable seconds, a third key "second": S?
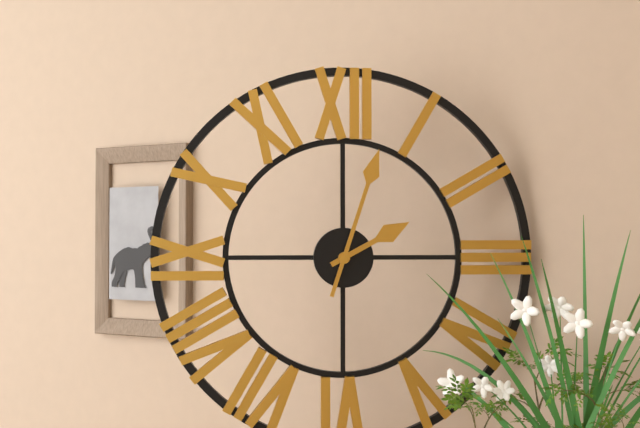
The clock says {"hour": 2, "minute": 3}
